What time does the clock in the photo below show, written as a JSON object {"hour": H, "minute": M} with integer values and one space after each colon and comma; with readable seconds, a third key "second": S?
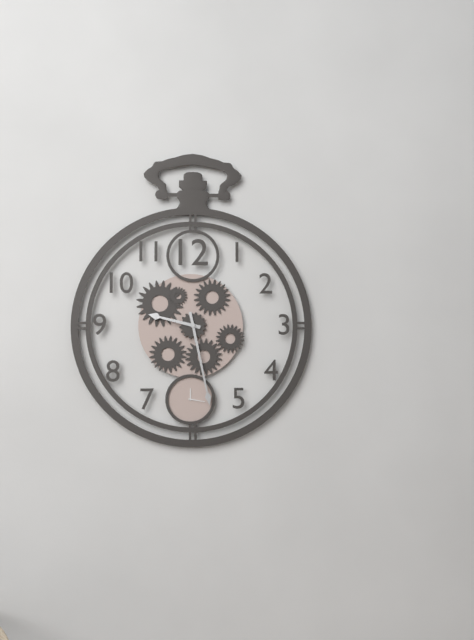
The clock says {"hour": 9, "minute": 28}
